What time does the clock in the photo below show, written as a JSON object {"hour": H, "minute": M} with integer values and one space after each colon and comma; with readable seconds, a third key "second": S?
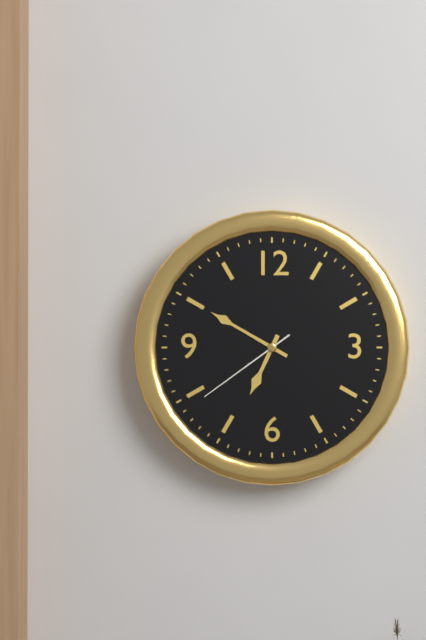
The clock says {"hour": 6, "minute": 50, "second": 39}
